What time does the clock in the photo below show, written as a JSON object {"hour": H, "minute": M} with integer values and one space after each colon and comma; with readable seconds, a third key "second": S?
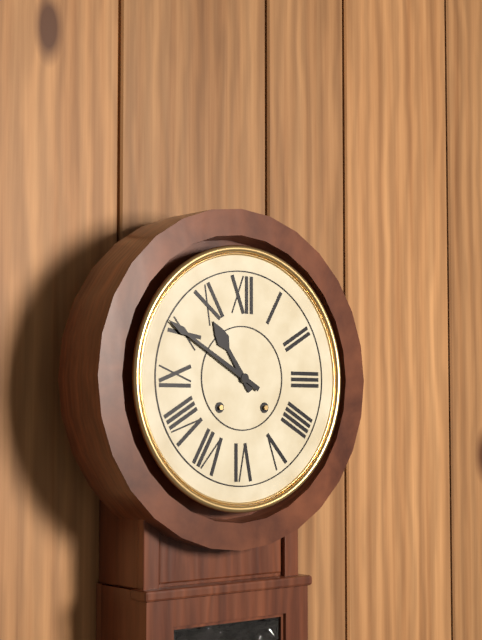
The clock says {"hour": 10, "minute": 50}
